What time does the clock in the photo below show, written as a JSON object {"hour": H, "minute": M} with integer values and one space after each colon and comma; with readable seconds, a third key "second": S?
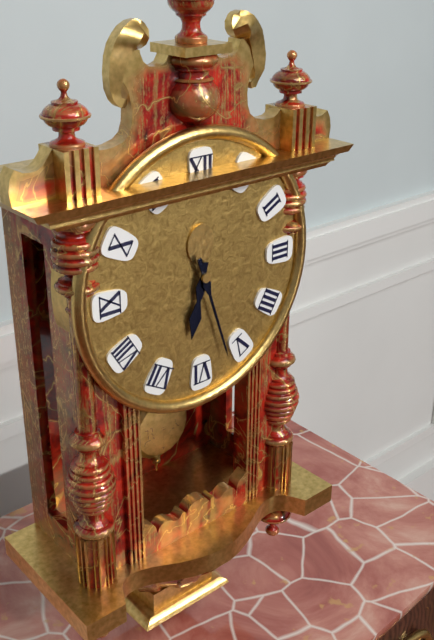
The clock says {"hour": 6, "minute": 27}
